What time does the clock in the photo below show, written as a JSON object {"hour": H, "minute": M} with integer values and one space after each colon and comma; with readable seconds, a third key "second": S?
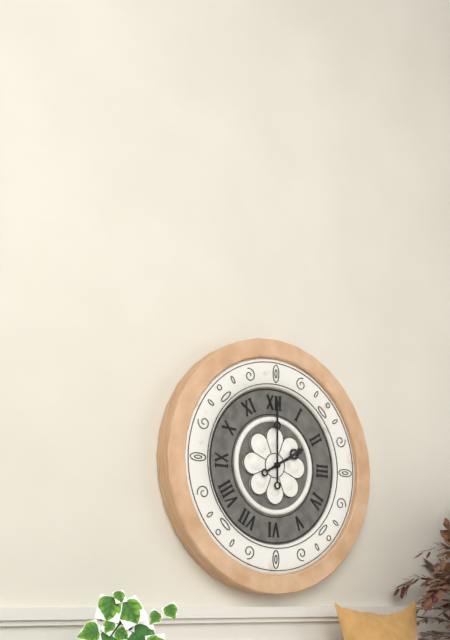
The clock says {"hour": 2, "minute": 0}
